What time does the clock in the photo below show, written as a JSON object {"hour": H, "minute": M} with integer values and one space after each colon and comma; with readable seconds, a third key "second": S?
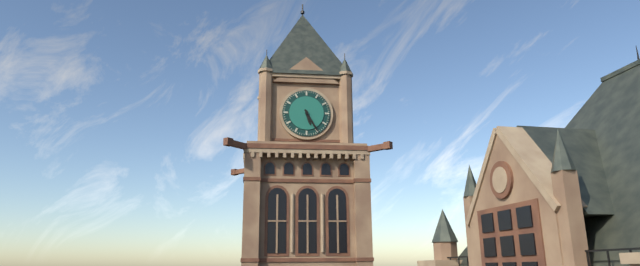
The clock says {"hour": 5, "minute": 25}
